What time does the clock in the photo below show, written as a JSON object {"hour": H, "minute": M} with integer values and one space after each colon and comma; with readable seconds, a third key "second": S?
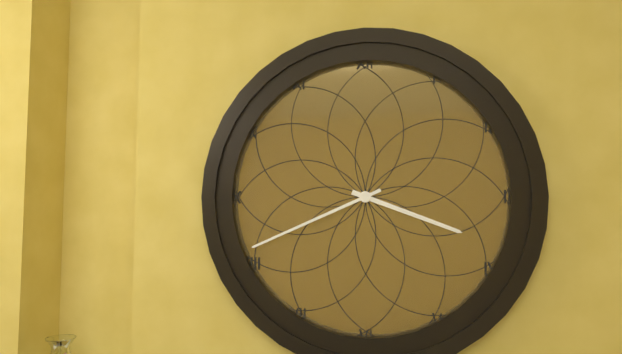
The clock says {"hour": 3, "minute": 41}
